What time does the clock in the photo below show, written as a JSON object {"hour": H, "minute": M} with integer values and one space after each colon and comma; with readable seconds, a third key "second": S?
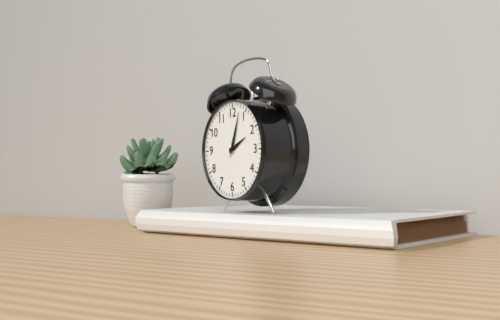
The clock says {"hour": 2, "minute": 3}
